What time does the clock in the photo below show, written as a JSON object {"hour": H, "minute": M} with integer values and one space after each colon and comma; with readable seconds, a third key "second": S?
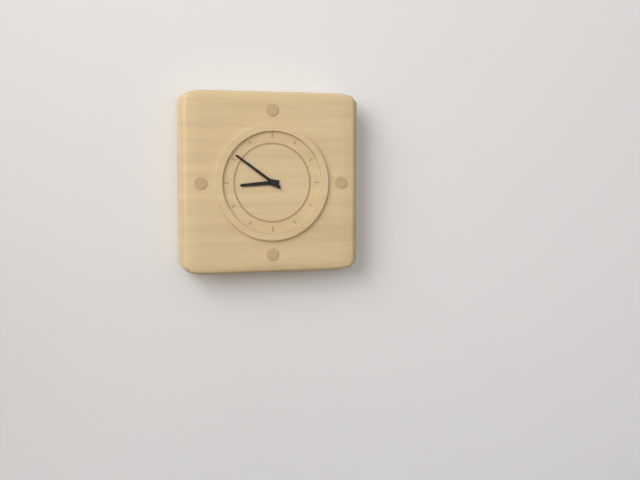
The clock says {"hour": 8, "minute": 51}
